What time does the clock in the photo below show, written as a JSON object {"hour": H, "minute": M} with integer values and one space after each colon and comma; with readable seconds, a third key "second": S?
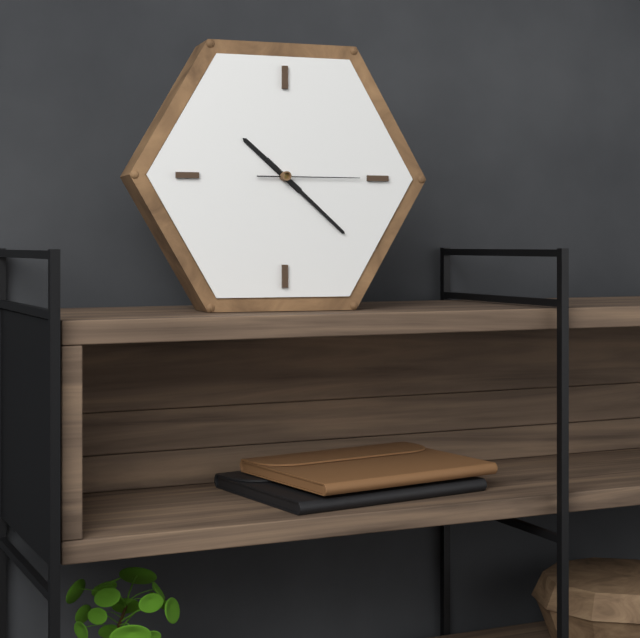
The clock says {"hour": 10, "minute": 22, "second": 15}
